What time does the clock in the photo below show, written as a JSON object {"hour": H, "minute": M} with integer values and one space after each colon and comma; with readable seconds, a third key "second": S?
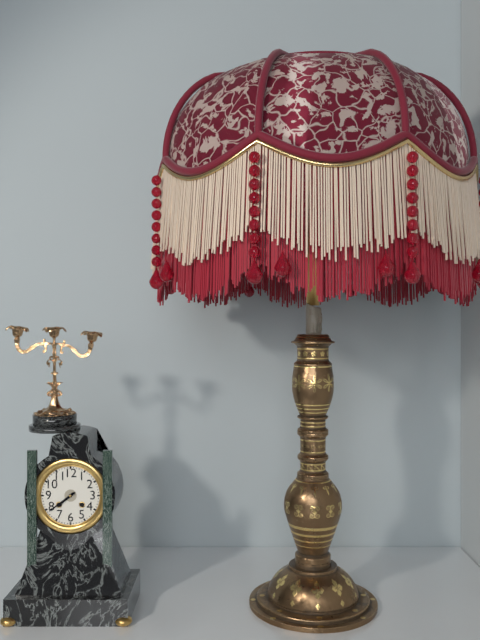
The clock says {"hour": 7, "minute": 39}
